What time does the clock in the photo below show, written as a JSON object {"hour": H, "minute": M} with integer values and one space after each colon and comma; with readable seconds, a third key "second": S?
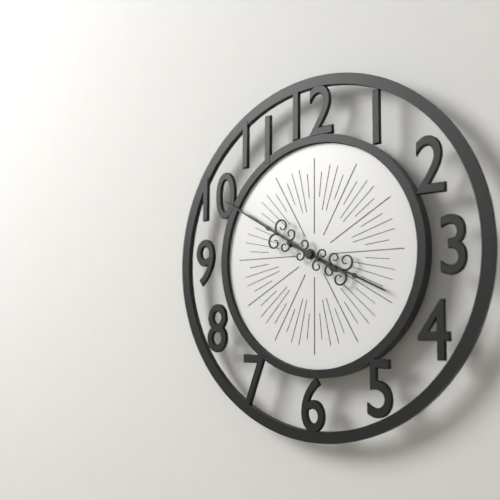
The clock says {"hour": 3, "minute": 50}
